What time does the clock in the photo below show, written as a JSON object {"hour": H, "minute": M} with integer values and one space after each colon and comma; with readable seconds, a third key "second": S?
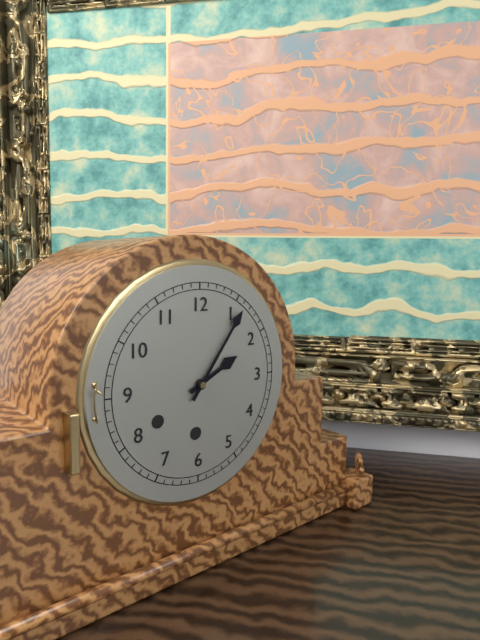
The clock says {"hour": 2, "minute": 6}
